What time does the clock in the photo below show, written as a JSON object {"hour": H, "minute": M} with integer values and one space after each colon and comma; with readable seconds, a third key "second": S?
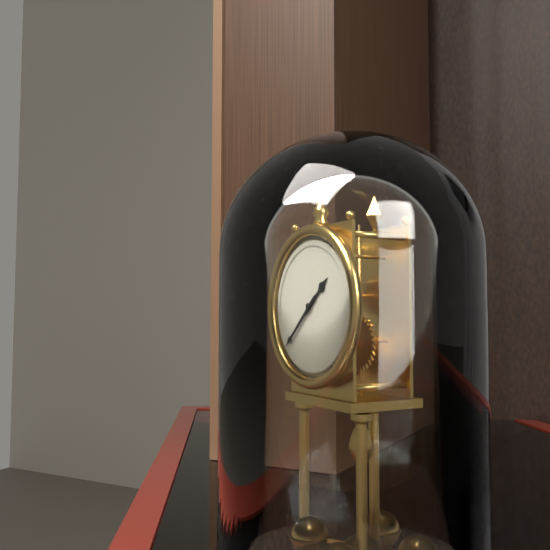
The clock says {"hour": 1, "minute": 38}
